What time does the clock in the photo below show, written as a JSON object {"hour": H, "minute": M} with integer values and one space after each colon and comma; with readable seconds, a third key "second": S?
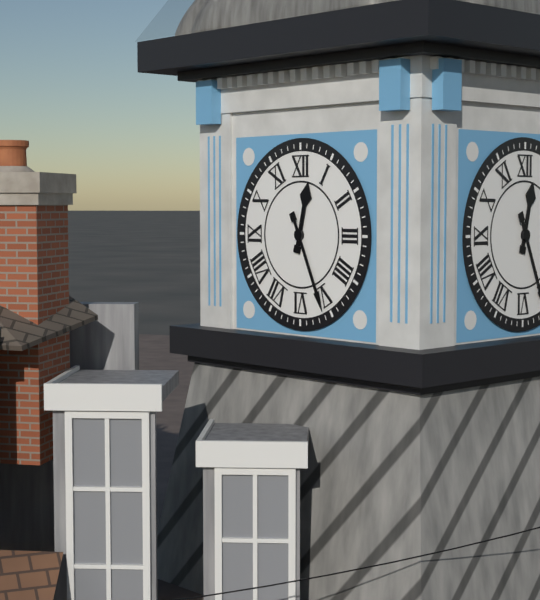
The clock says {"hour": 12, "minute": 26}
